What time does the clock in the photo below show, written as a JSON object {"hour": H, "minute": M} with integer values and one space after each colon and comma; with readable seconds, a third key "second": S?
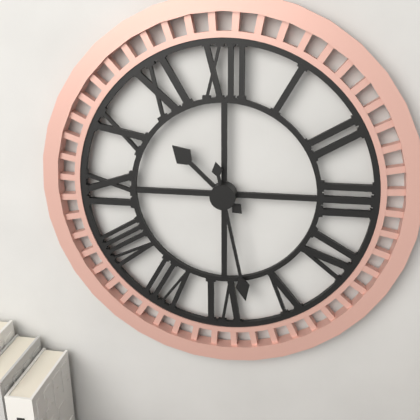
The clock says {"hour": 10, "minute": 28}
